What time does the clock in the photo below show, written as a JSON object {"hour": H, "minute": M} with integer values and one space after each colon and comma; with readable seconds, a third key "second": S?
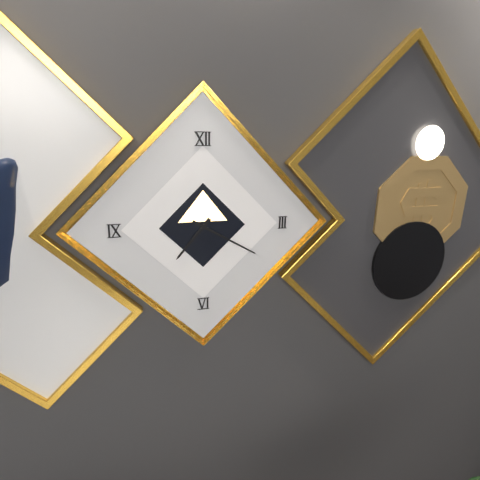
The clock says {"hour": 7, "minute": 20}
